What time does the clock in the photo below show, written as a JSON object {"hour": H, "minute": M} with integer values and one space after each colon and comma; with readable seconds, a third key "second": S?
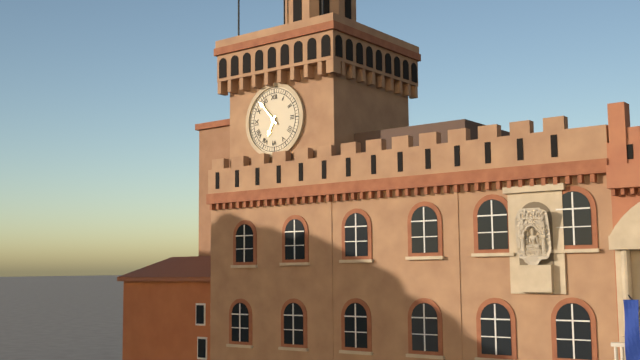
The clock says {"hour": 6, "minute": 53}
